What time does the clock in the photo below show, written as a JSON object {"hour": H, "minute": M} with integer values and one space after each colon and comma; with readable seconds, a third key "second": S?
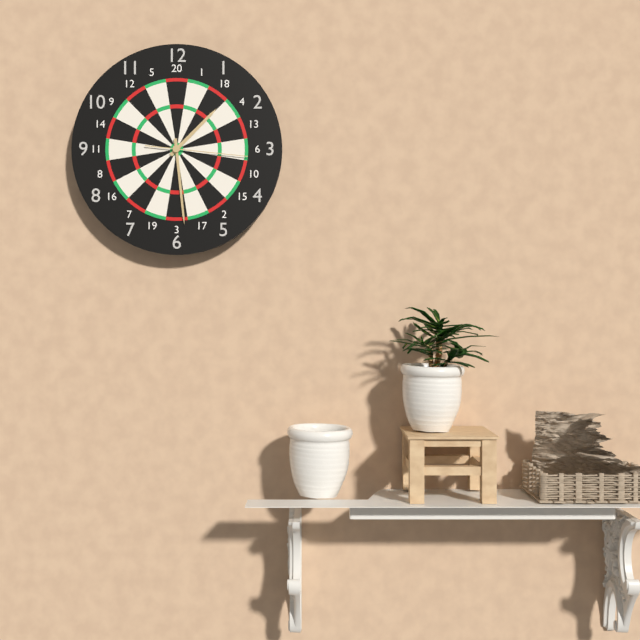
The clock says {"hour": 1, "minute": 29, "second": 16}
